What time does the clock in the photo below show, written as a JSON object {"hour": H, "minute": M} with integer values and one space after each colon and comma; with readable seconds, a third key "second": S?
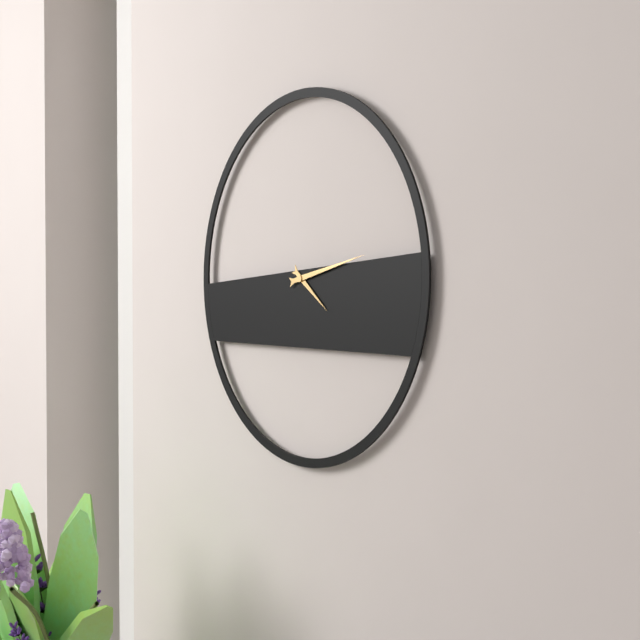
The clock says {"hour": 4, "minute": 13}
